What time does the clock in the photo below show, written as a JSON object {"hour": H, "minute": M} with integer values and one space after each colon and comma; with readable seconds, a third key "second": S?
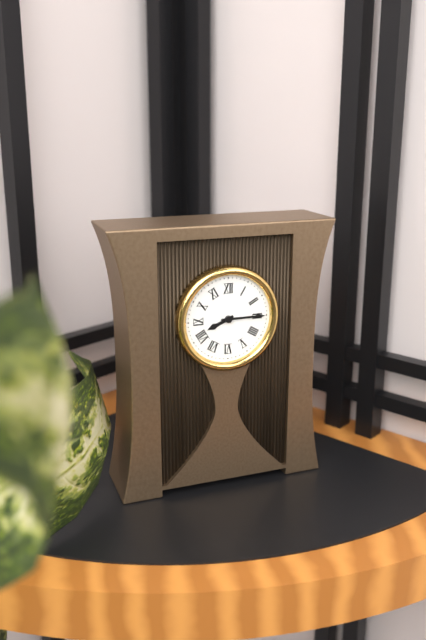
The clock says {"hour": 8, "minute": 15}
